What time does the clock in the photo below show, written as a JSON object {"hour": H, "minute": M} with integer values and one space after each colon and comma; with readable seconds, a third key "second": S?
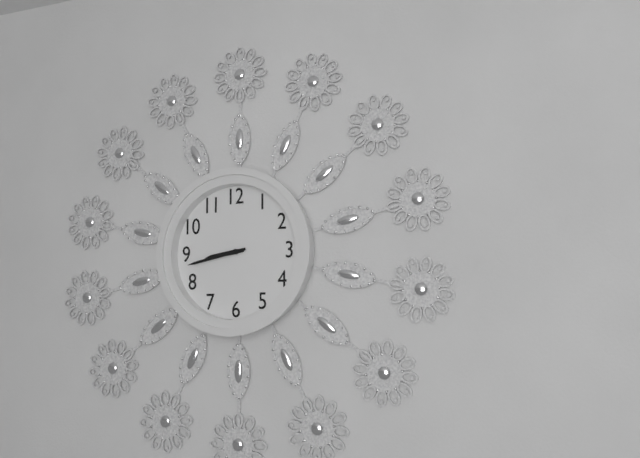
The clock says {"hour": 8, "minute": 43}
